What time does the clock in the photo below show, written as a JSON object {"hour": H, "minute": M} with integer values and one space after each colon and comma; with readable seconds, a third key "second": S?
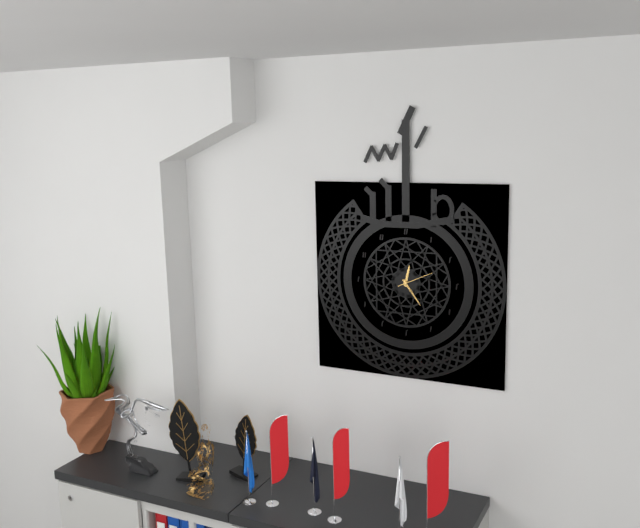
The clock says {"hour": 12, "minute": 24}
